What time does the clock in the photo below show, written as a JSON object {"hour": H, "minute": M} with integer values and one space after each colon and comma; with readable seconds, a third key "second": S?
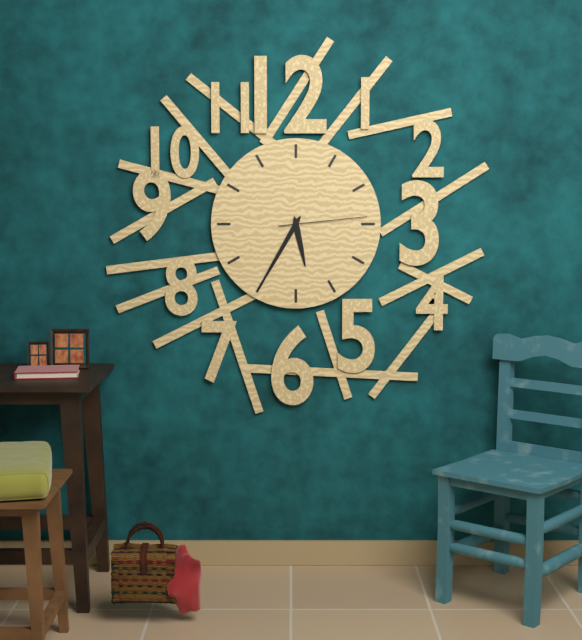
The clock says {"hour": 5, "minute": 35, "second": 14}
